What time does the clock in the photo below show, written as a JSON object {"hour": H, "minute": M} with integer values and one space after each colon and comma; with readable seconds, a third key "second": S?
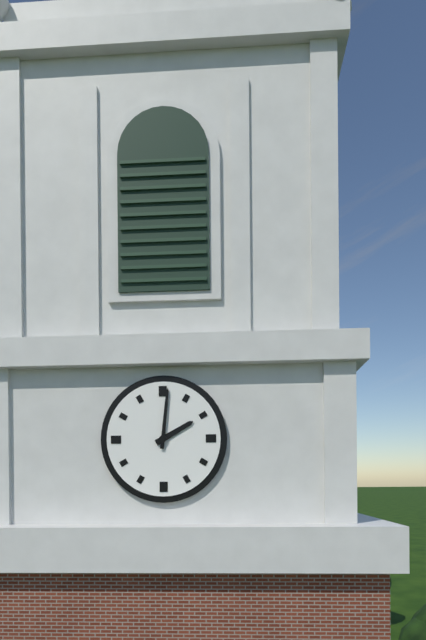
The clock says {"hour": 2, "minute": 1}
